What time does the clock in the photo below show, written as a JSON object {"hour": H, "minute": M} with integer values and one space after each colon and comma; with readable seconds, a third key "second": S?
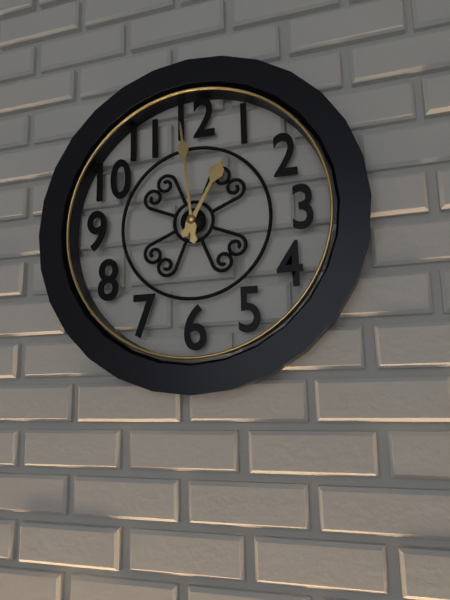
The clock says {"hour": 12, "minute": 59}
